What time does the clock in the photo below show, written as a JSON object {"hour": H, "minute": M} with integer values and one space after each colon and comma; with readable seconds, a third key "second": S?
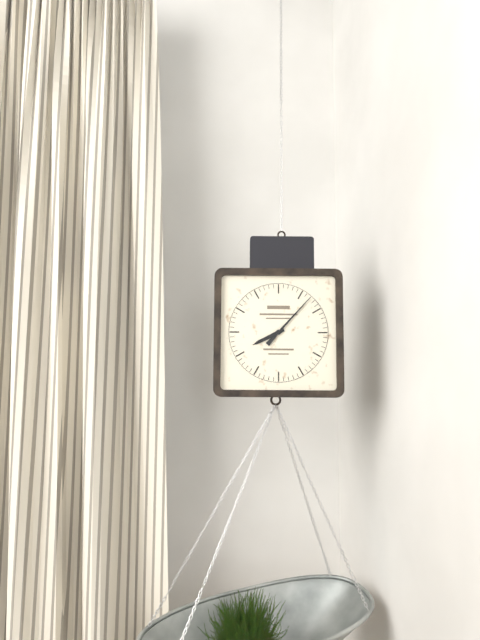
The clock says {"hour": 8, "minute": 7}
